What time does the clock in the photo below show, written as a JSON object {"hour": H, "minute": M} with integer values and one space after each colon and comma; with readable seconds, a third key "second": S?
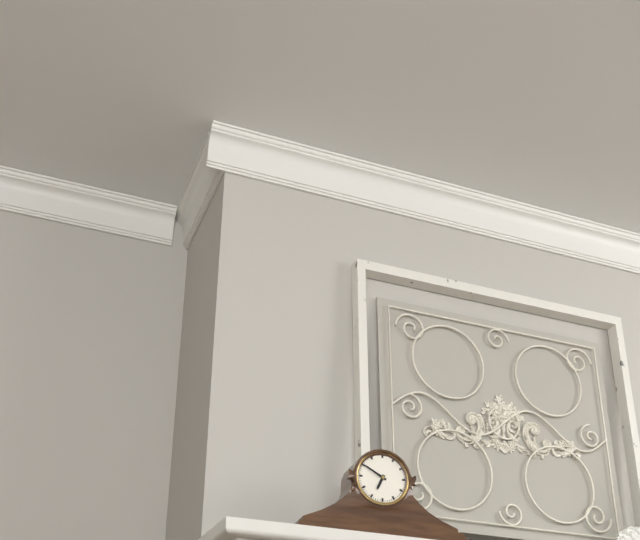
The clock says {"hour": 6, "minute": 50}
